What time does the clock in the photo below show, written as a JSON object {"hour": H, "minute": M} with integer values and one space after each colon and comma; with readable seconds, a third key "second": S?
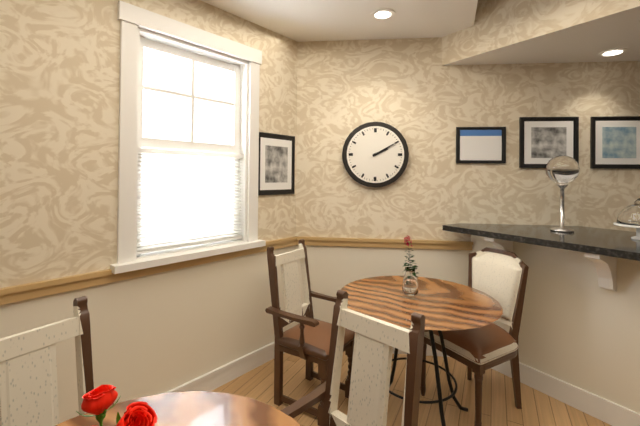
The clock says {"hour": 2, "minute": 10}
